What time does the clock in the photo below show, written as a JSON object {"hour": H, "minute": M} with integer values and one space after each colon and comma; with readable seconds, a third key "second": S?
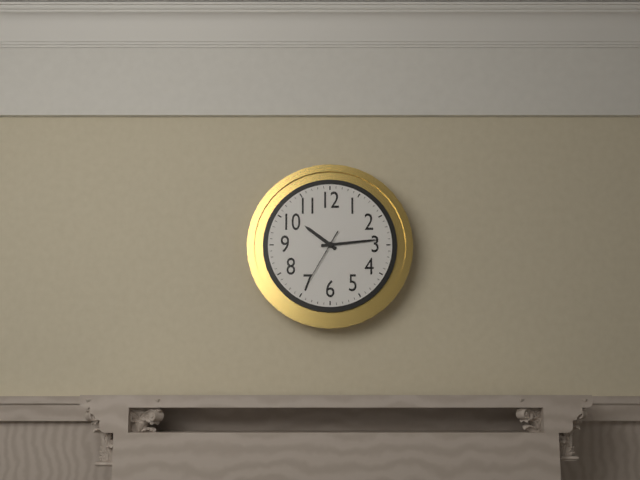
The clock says {"hour": 10, "minute": 14, "second": 35}
